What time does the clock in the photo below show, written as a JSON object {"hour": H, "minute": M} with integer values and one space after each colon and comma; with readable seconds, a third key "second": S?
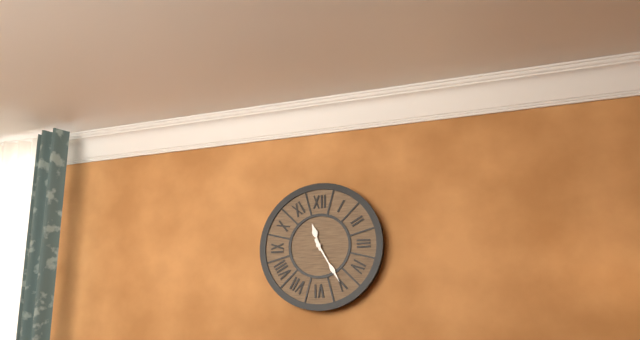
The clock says {"hour": 11, "minute": 25}
